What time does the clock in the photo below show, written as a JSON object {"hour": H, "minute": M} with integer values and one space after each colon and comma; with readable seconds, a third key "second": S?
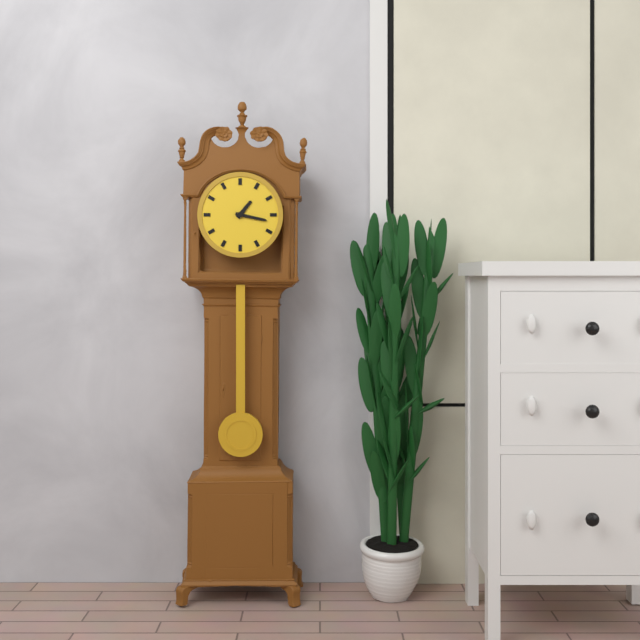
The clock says {"hour": 1, "minute": 17}
